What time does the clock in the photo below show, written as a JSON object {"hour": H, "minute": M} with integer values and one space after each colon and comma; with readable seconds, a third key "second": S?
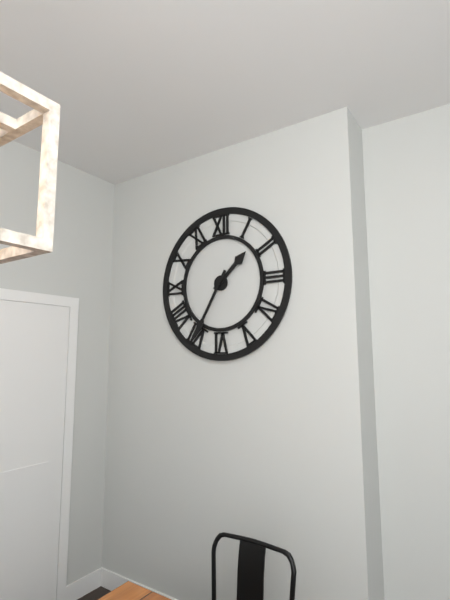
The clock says {"hour": 1, "minute": 35}
